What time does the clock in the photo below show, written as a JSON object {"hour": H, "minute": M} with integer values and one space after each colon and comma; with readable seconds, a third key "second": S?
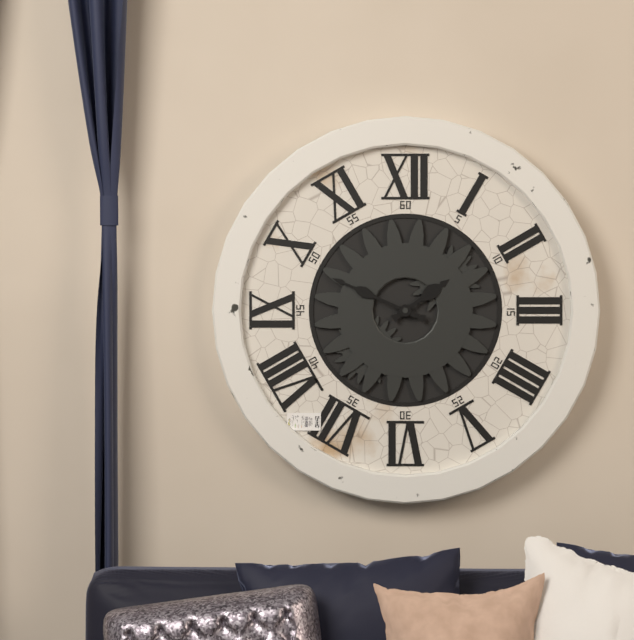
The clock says {"hour": 1, "minute": 49}
